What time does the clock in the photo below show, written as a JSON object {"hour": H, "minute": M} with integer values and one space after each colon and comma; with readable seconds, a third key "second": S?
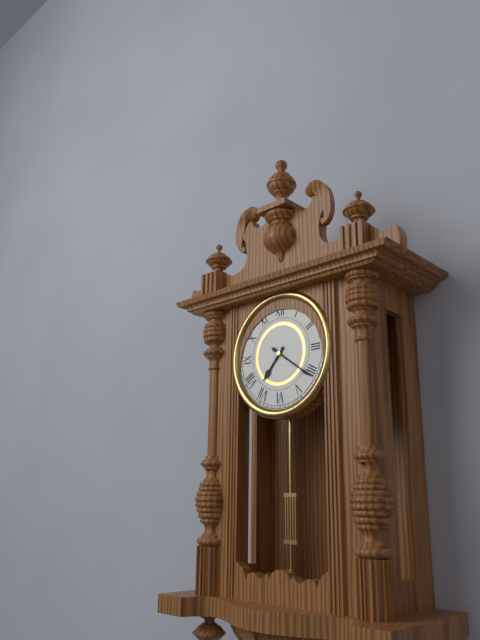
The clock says {"hour": 7, "minute": 21}
